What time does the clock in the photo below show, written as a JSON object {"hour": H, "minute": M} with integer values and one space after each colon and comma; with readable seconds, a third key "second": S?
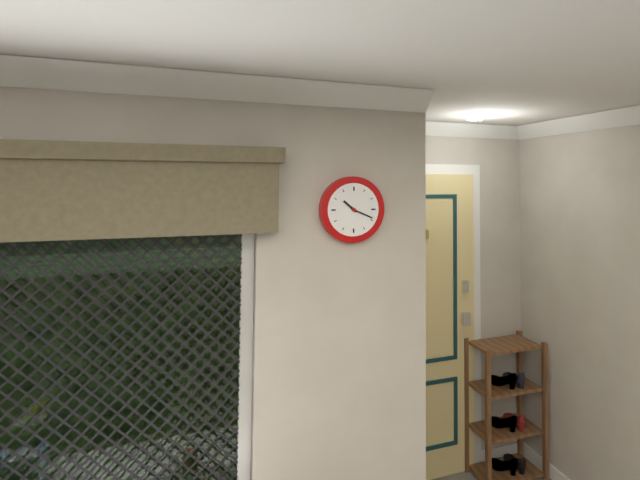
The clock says {"hour": 10, "minute": 19}
